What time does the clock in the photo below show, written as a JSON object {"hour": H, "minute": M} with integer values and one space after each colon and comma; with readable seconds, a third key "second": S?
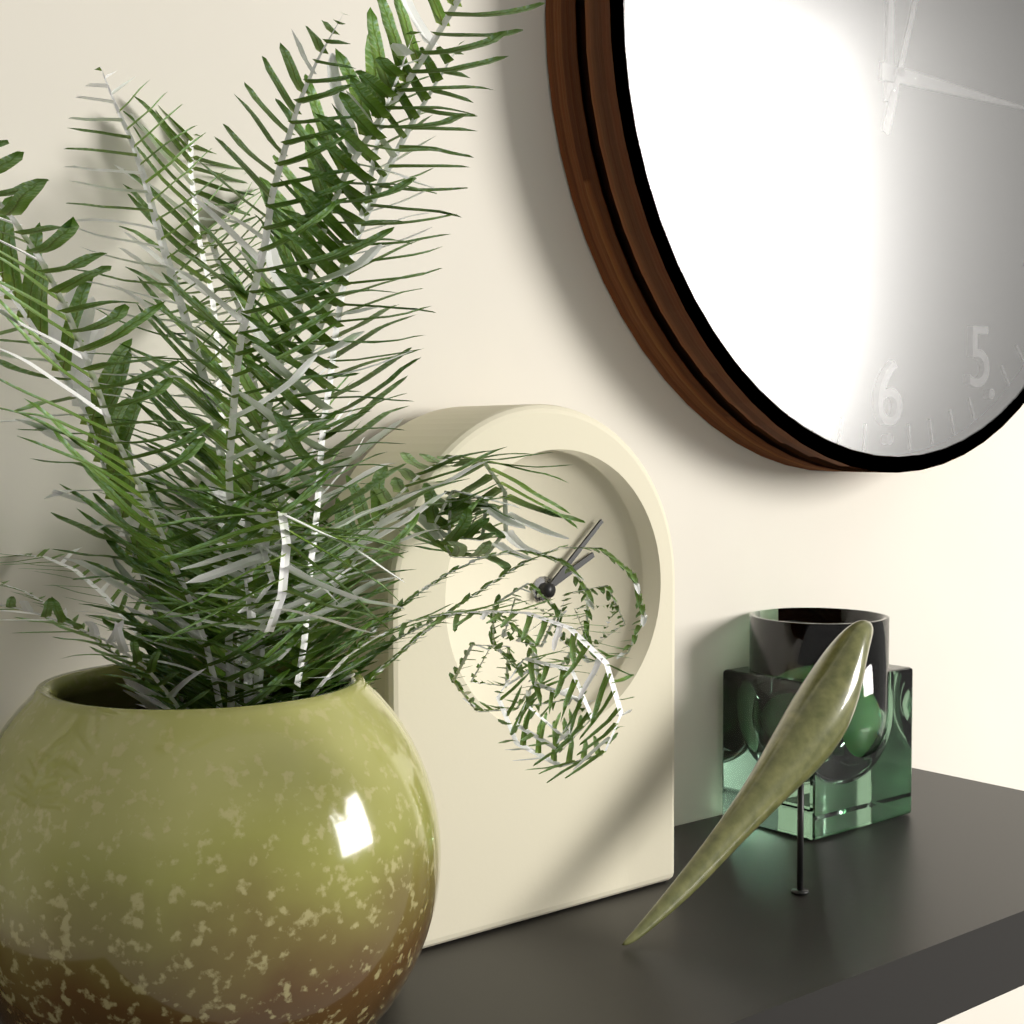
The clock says {"hour": 2, "minute": 8}
